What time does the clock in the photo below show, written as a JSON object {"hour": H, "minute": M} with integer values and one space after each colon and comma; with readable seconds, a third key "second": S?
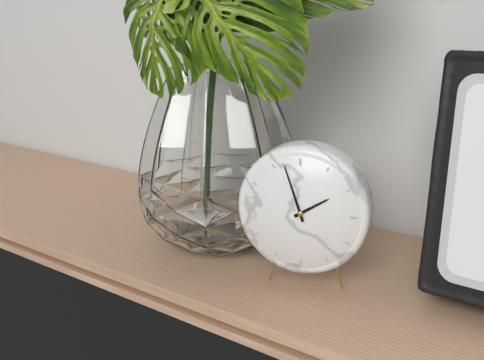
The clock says {"hour": 1, "minute": 57}
